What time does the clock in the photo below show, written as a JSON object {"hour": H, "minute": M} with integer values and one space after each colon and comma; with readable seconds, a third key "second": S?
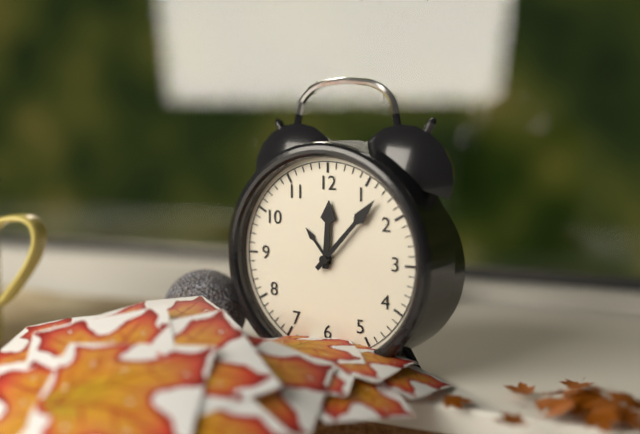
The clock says {"hour": 12, "minute": 7}
